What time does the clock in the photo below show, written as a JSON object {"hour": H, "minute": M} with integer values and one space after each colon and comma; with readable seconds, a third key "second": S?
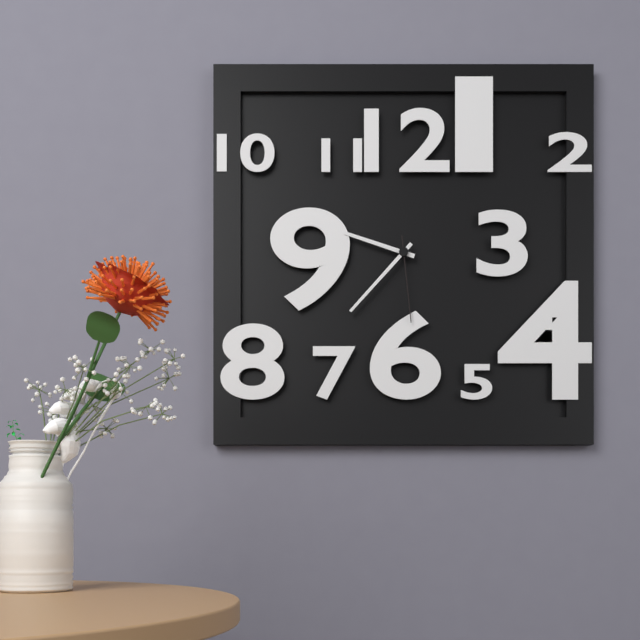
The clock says {"hour": 9, "minute": 37, "second": 29}
